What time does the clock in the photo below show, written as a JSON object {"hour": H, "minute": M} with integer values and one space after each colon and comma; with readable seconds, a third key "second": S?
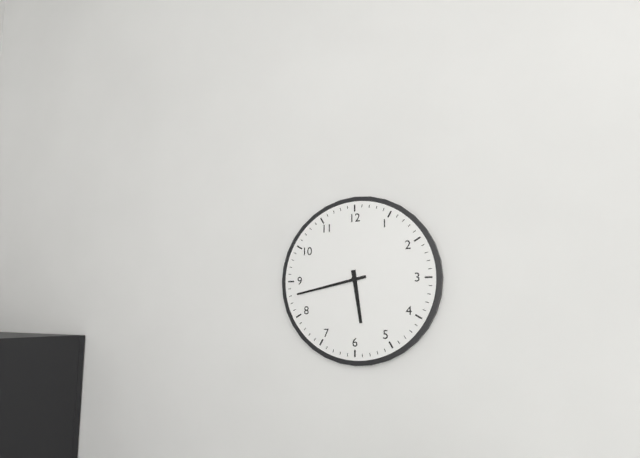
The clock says {"hour": 5, "minute": 43}
